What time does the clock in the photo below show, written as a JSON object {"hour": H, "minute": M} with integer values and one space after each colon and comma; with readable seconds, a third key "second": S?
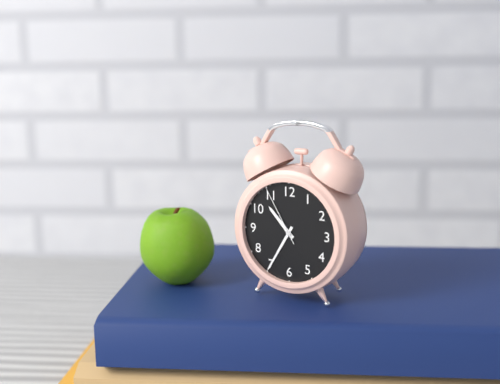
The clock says {"hour": 10, "minute": 35, "second": 55}
